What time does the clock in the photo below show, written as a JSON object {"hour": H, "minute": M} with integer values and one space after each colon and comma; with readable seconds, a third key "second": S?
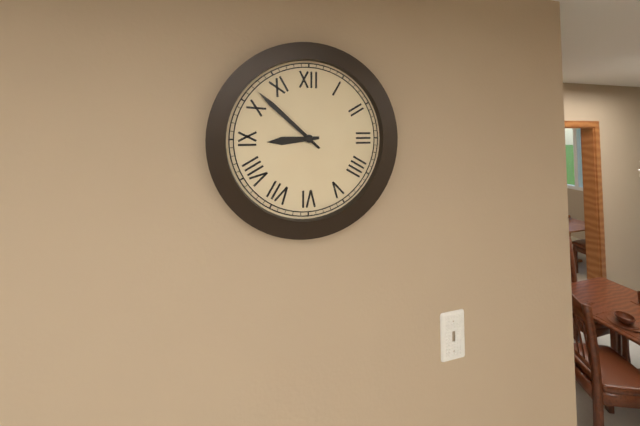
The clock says {"hour": 8, "minute": 52}
